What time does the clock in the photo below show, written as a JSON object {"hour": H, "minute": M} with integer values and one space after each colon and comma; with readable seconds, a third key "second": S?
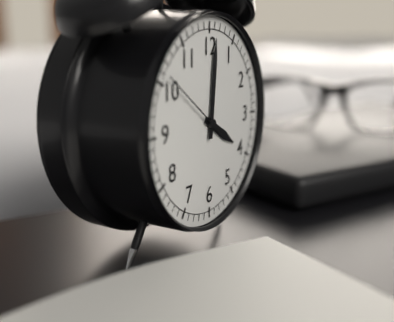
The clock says {"hour": 4, "minute": 1, "second": 51}
